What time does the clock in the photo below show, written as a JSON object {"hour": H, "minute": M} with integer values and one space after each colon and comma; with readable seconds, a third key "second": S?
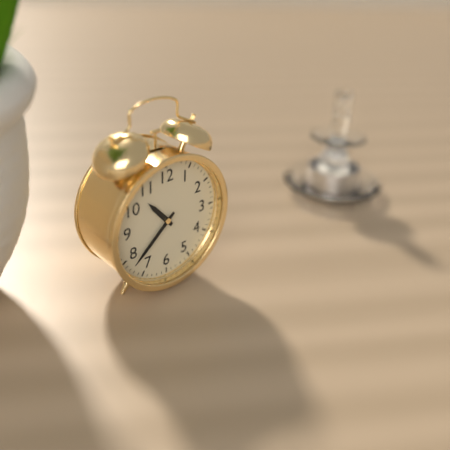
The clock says {"hour": 10, "minute": 38}
